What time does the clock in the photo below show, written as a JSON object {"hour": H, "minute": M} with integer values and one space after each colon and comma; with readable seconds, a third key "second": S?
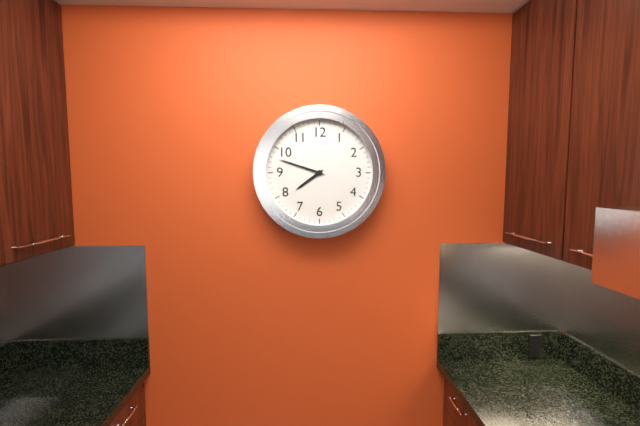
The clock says {"hour": 7, "minute": 48}
